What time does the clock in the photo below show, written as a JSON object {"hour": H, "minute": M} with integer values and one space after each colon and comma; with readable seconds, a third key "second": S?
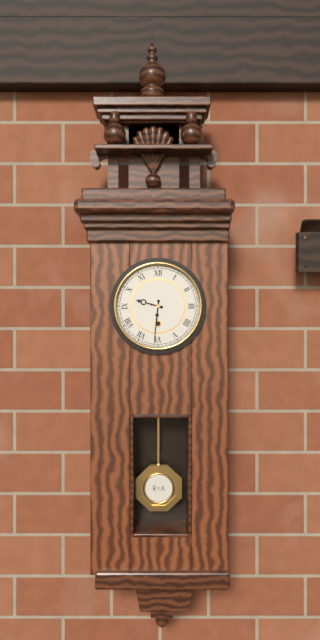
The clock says {"hour": 9, "minute": 31}
